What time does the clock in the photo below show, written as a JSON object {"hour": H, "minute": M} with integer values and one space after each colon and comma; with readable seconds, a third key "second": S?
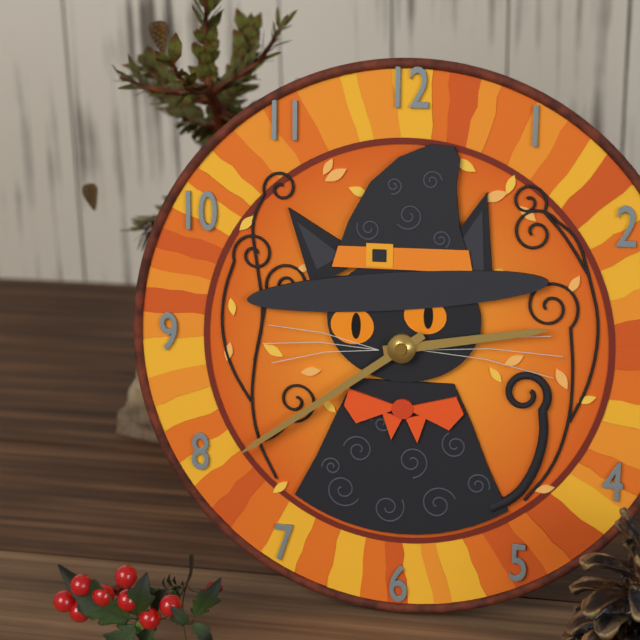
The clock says {"hour": 2, "minute": 39}
